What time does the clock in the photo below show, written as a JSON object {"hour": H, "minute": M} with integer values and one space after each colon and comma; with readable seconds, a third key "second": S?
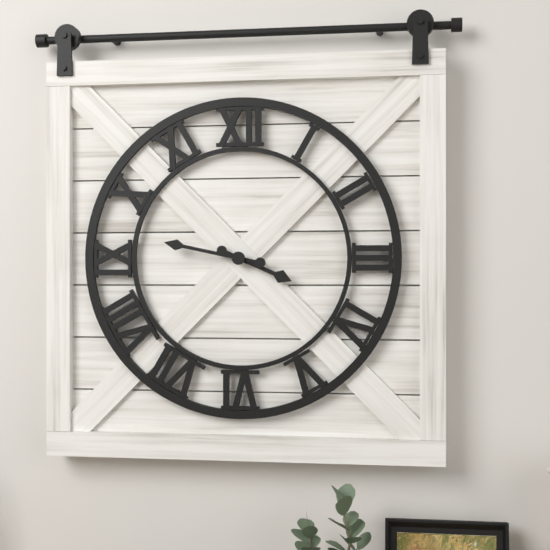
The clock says {"hour": 3, "minute": 47}
